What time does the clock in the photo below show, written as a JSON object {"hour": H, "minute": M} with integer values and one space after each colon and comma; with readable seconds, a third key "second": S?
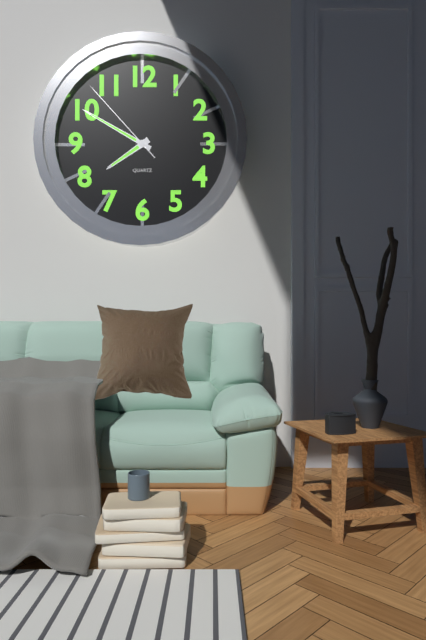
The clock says {"hour": 7, "minute": 50, "second": 53}
